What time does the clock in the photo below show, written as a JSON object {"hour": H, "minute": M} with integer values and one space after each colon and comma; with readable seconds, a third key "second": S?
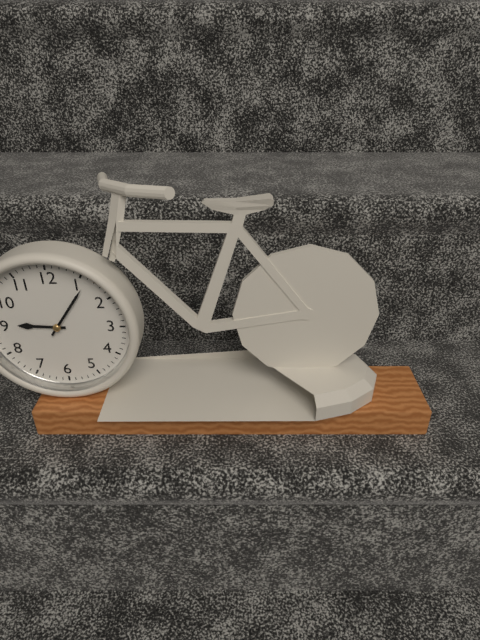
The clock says {"hour": 9, "minute": 6}
